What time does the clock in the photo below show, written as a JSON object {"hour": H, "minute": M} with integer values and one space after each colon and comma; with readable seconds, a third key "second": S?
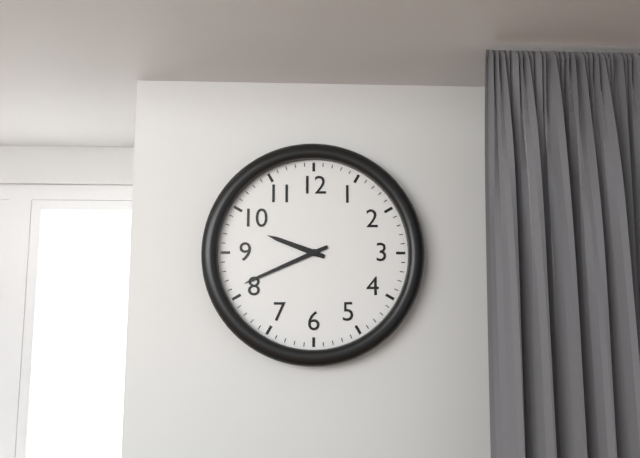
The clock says {"hour": 9, "minute": 41}
